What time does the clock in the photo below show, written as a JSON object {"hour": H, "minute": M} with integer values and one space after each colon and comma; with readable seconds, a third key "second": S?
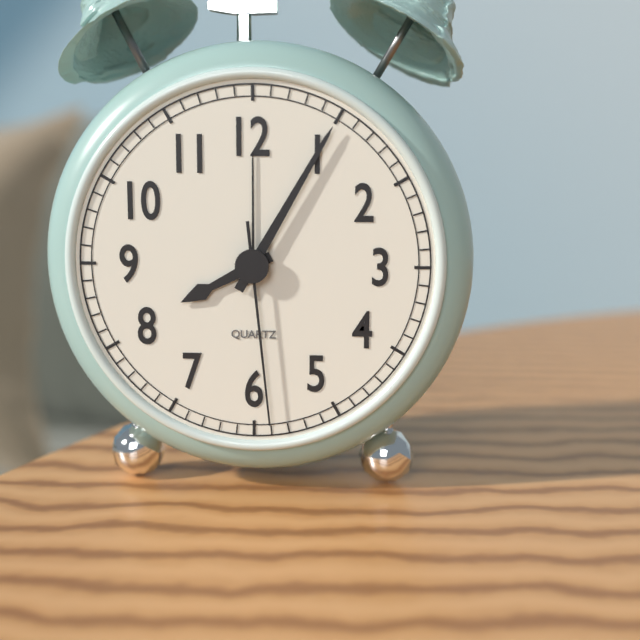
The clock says {"hour": 8, "minute": 5, "second": 29}
